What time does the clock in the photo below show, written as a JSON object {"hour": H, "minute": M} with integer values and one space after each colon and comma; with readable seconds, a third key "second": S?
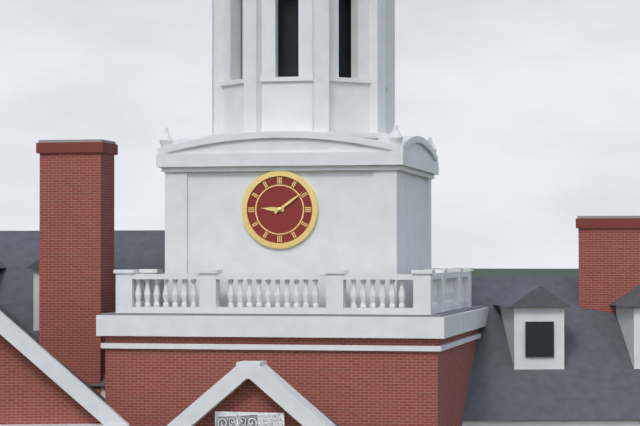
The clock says {"hour": 9, "minute": 9}
